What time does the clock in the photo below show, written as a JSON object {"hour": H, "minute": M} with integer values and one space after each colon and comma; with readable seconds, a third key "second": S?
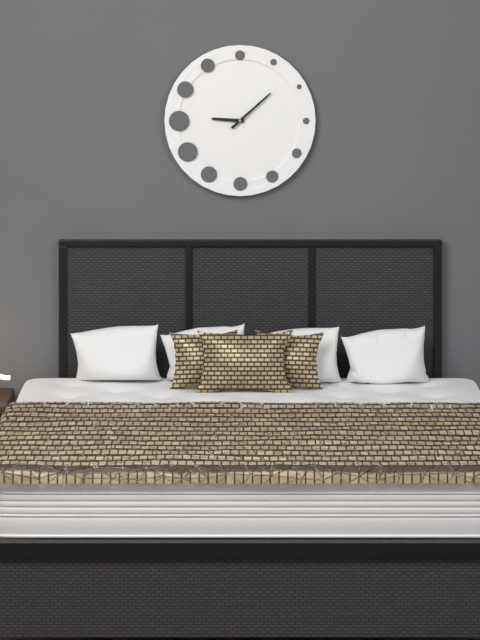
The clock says {"hour": 9, "minute": 8}
